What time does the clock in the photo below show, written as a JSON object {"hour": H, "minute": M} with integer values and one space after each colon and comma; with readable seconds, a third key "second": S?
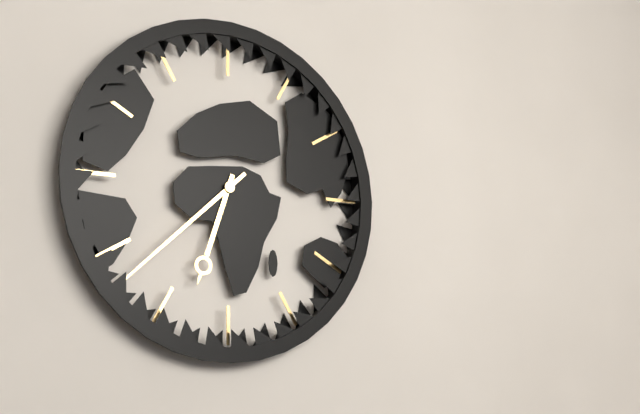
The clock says {"hour": 6, "minute": 38}
